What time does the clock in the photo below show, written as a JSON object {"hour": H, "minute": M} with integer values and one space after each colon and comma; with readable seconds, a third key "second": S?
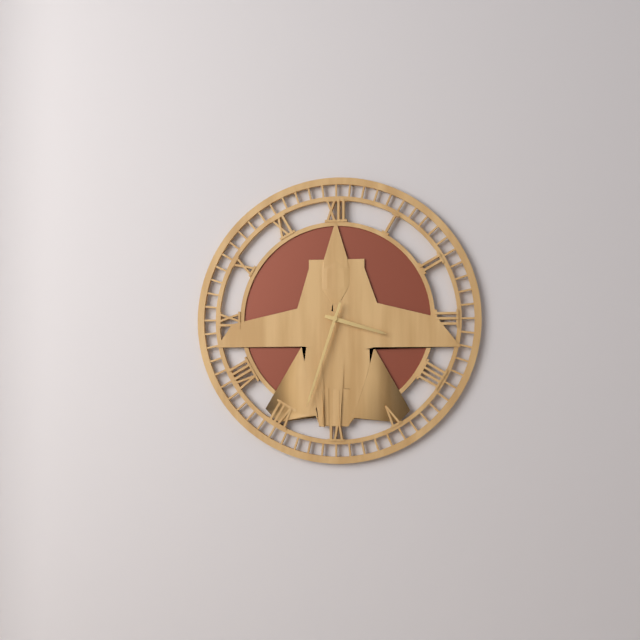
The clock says {"hour": 3, "minute": 33}
